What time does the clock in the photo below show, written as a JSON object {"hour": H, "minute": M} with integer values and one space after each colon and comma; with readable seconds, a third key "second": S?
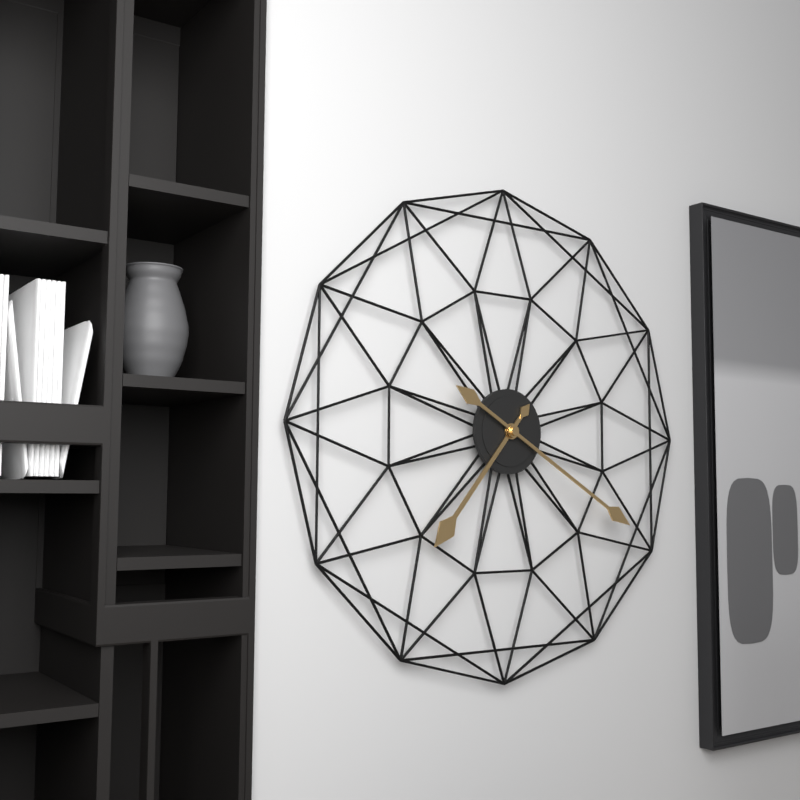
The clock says {"hour": 7, "minute": 20}
